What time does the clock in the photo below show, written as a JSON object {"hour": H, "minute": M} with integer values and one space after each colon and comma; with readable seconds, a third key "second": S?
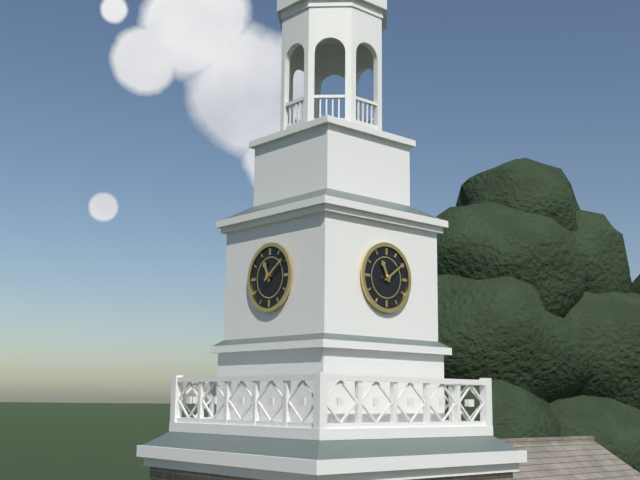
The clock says {"hour": 11, "minute": 9}
